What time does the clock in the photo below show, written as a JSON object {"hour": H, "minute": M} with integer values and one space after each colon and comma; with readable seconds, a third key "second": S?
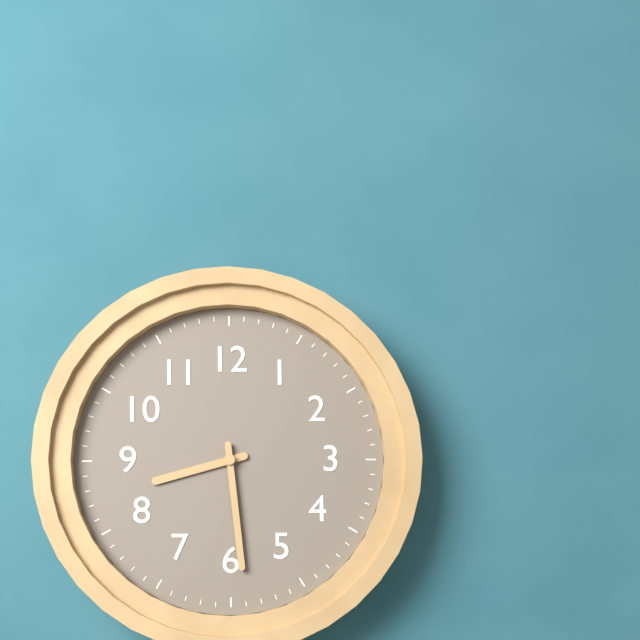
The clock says {"hour": 8, "minute": 29}
